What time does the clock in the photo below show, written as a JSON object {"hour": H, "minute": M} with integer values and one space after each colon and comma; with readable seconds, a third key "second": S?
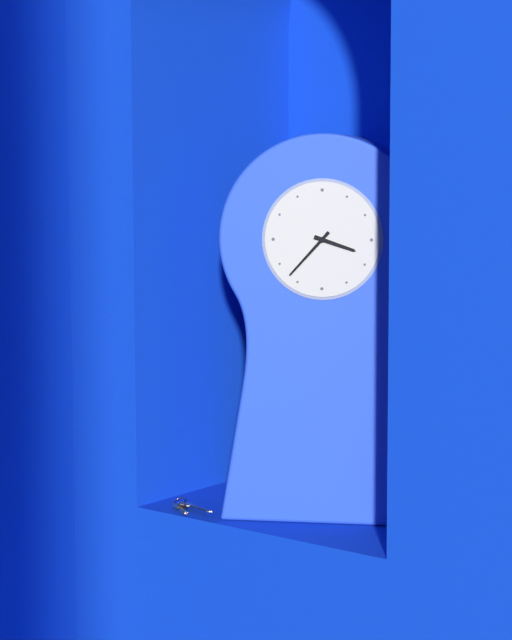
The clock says {"hour": 3, "minute": 37}
